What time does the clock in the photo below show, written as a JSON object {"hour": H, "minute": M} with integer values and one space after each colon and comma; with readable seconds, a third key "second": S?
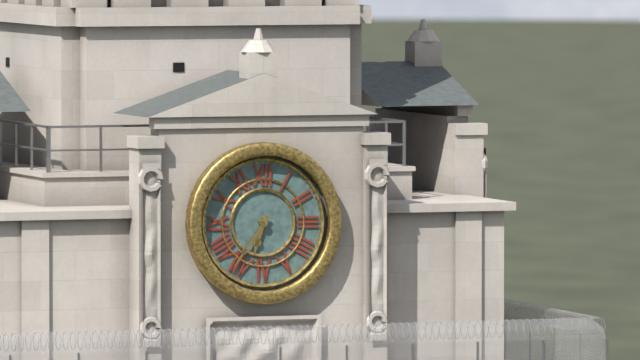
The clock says {"hour": 6, "minute": 36}
